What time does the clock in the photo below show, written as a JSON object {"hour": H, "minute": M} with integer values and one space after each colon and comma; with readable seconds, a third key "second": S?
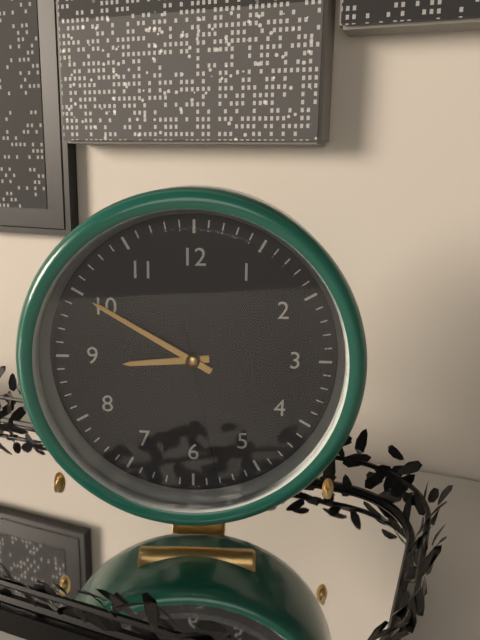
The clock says {"hour": 8, "minute": 50, "second": 28}
